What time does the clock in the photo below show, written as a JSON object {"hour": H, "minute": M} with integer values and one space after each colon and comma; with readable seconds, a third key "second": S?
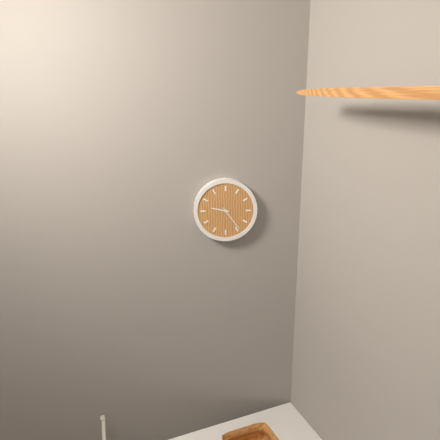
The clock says {"hour": 9, "minute": 24}
